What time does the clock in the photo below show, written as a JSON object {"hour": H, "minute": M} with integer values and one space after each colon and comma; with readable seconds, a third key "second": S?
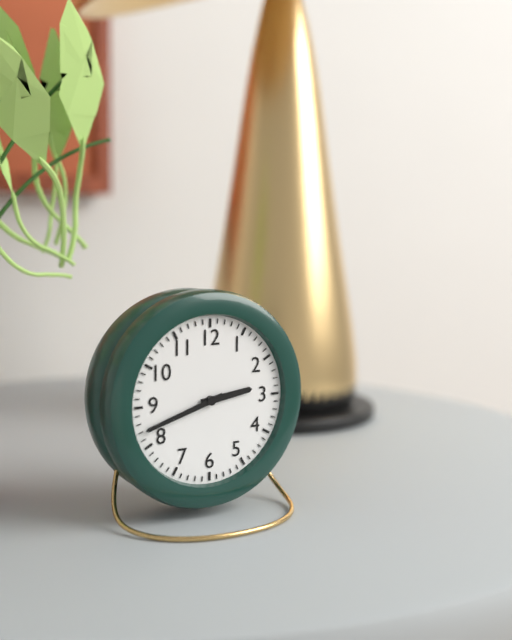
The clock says {"hour": 2, "minute": 42}
